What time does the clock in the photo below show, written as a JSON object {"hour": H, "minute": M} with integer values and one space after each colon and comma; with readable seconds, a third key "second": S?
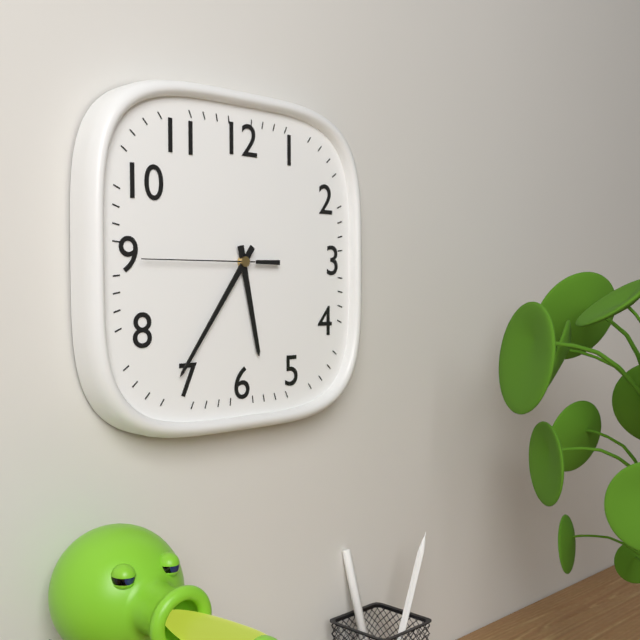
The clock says {"hour": 5, "minute": 36, "second": 45}
